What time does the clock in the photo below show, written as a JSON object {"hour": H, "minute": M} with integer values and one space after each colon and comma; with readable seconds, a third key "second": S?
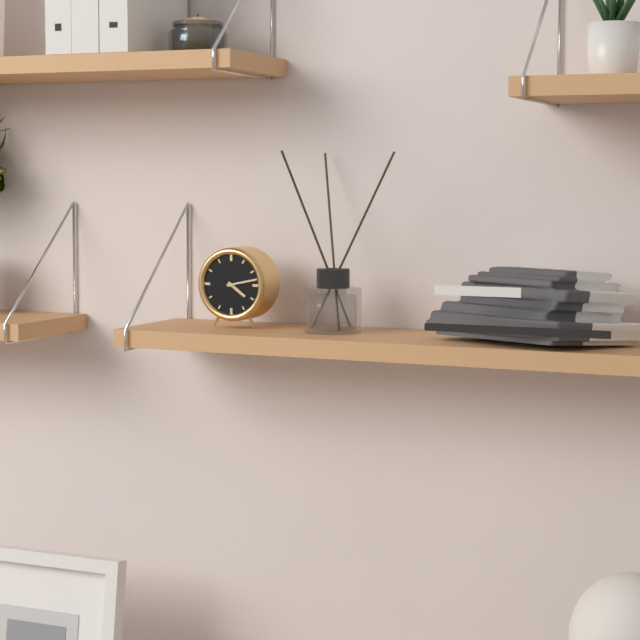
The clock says {"hour": 4, "minute": 13}
